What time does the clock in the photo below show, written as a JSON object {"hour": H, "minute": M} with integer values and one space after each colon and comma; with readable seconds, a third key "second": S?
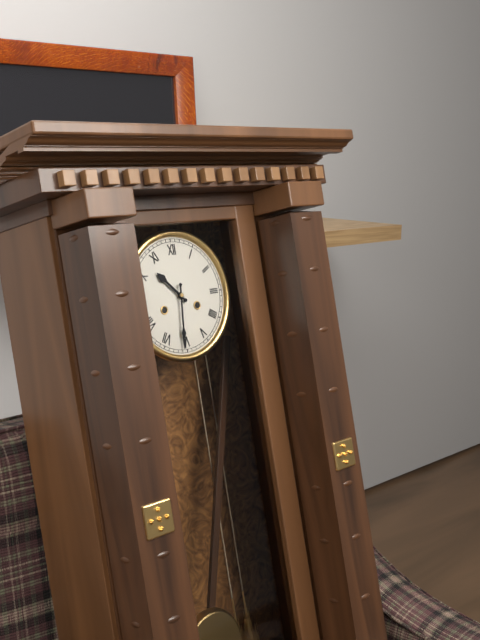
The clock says {"hour": 10, "minute": 31}
